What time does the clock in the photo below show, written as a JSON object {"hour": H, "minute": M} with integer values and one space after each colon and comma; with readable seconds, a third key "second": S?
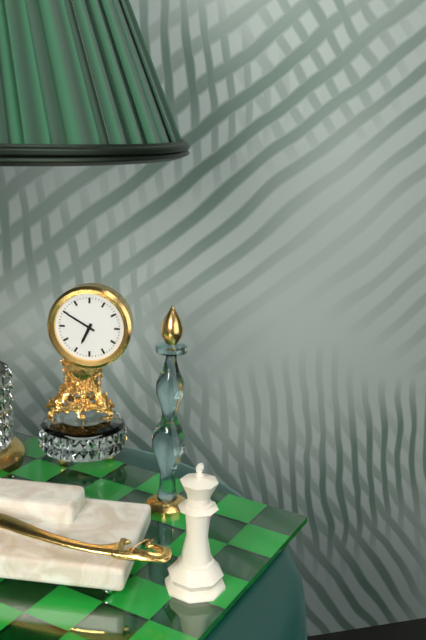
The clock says {"hour": 6, "minute": 50}
